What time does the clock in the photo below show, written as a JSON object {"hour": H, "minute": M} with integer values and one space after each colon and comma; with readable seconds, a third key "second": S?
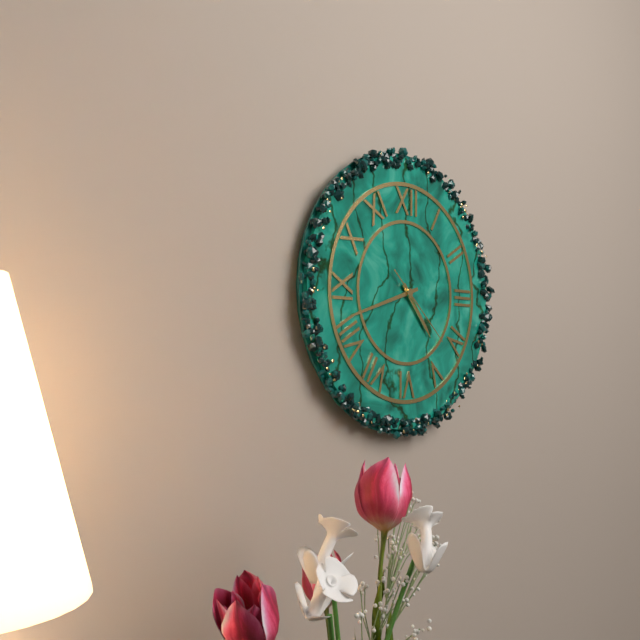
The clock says {"hour": 4, "minute": 42, "second": 22}
